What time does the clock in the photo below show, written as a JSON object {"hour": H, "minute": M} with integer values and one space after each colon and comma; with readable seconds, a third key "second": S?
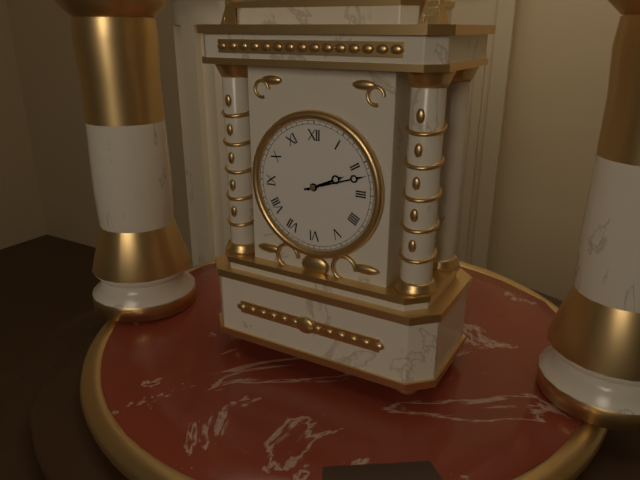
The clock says {"hour": 2, "minute": 12}
